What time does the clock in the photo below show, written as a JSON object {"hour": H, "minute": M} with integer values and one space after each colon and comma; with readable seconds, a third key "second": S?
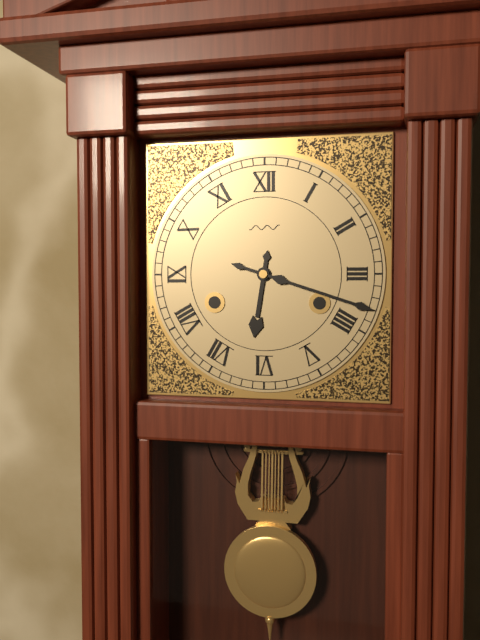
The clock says {"hour": 6, "minute": 18}
